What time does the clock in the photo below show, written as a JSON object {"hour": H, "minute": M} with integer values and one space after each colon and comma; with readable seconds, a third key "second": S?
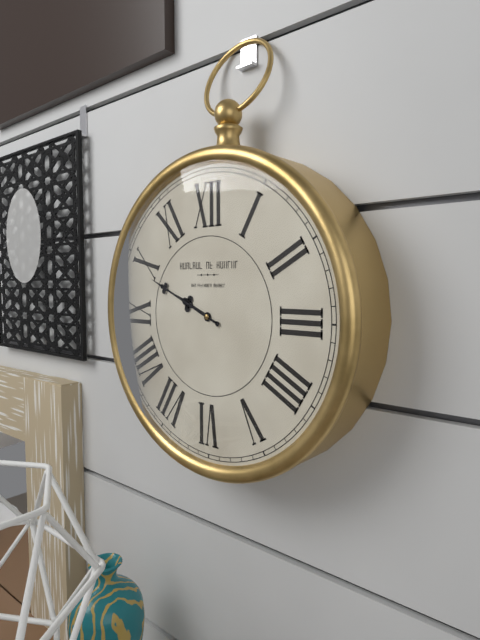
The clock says {"hour": 9, "minute": 49}
